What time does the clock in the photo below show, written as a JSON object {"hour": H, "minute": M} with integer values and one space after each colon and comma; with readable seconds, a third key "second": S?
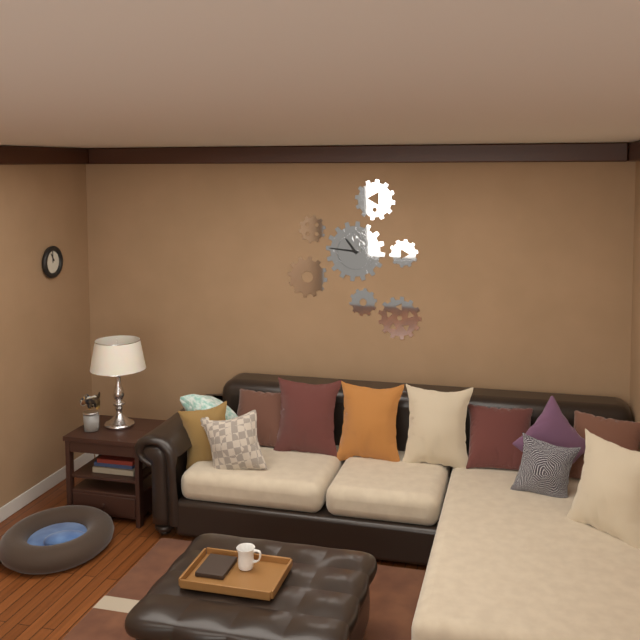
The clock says {"hour": 10, "minute": 46}
